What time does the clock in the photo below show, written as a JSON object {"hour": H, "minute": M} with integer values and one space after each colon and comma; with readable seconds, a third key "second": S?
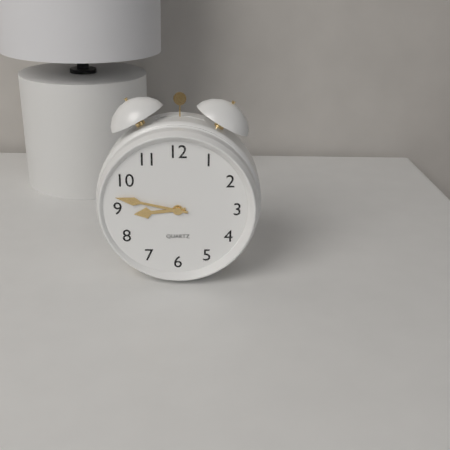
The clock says {"hour": 8, "minute": 47}
